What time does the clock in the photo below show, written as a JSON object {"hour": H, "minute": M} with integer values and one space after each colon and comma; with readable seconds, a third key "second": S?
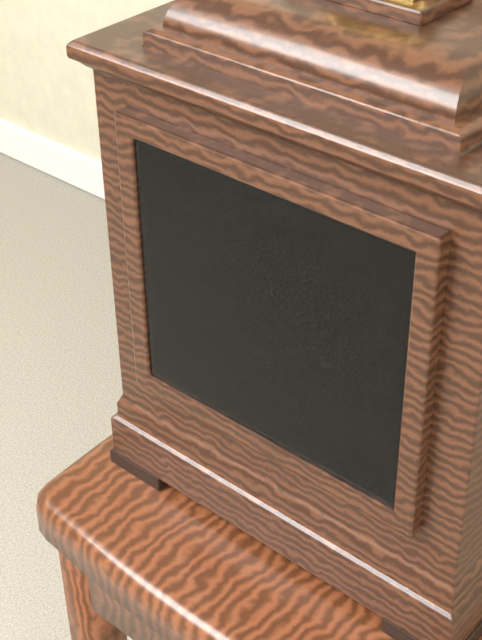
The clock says {"hour": 8, "minute": 20}
